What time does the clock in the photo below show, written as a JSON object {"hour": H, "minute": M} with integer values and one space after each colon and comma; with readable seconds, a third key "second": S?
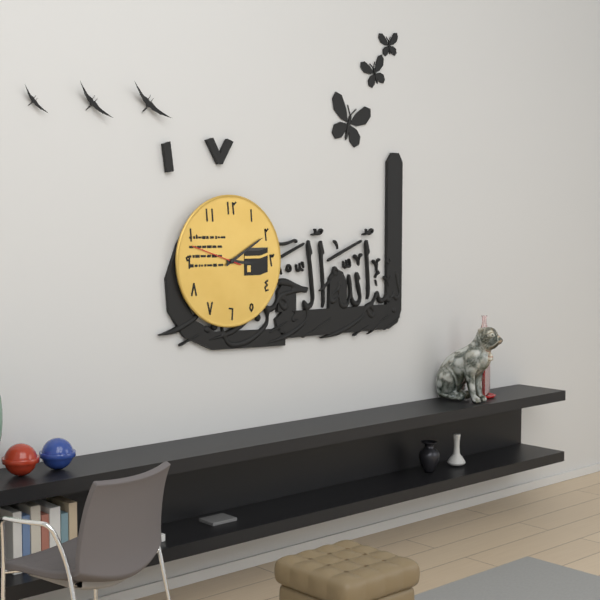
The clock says {"hour": 3, "minute": 10, "second": 48}
